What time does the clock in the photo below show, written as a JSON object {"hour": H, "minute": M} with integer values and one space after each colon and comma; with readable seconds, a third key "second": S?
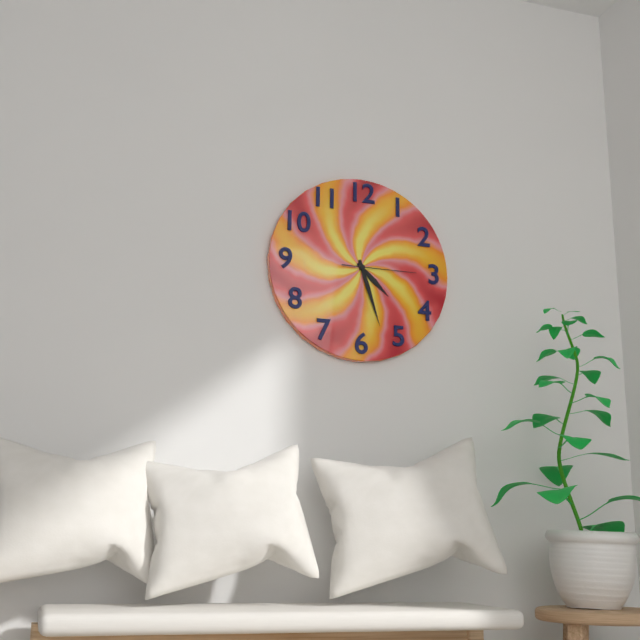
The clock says {"hour": 4, "minute": 27, "second": 15}
